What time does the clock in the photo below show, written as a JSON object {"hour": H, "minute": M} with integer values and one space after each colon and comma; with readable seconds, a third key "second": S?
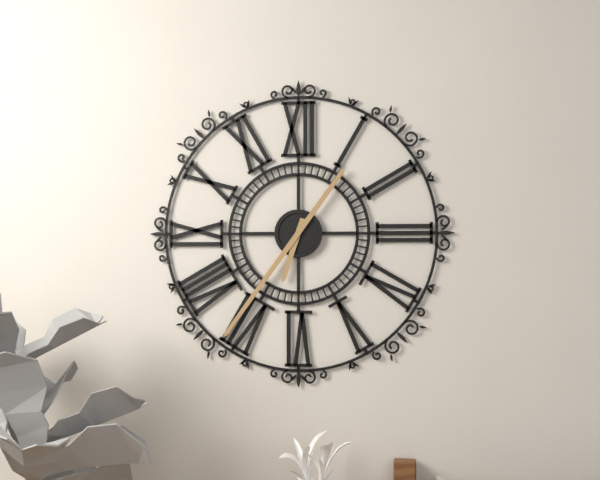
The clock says {"hour": 6, "minute": 36}
